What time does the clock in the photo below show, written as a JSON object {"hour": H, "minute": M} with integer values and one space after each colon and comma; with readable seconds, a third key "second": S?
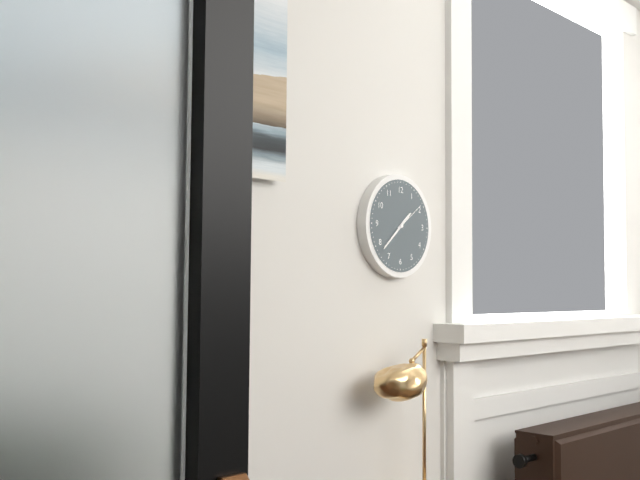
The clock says {"hour": 1, "minute": 38}
